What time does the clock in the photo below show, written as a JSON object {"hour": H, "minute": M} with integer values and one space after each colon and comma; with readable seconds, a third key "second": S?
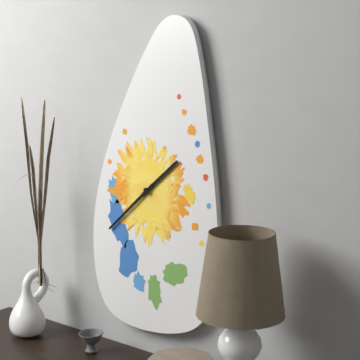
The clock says {"hour": 1, "minute": 38}
